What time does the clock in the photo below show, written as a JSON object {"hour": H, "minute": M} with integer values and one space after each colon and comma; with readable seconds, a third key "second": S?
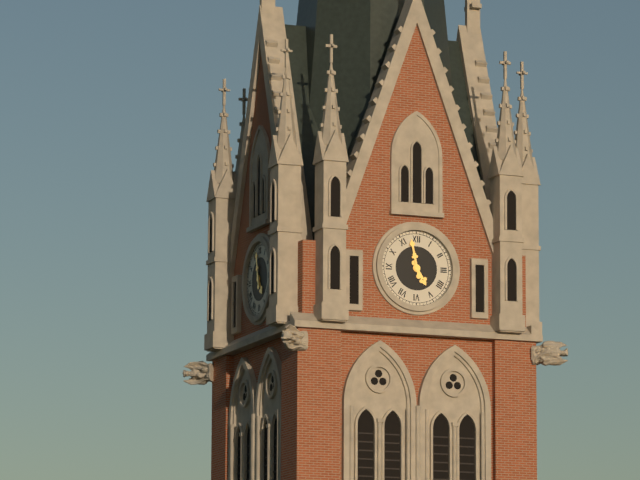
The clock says {"hour": 4, "minute": 58}
